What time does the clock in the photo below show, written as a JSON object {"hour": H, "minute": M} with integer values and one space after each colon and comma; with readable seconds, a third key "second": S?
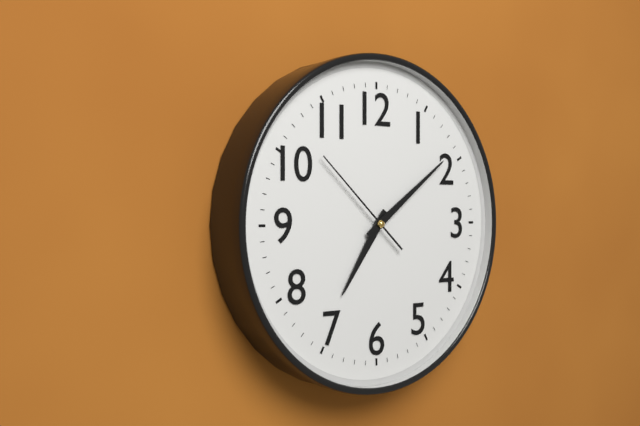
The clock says {"hour": 7, "minute": 9, "second": 52}
